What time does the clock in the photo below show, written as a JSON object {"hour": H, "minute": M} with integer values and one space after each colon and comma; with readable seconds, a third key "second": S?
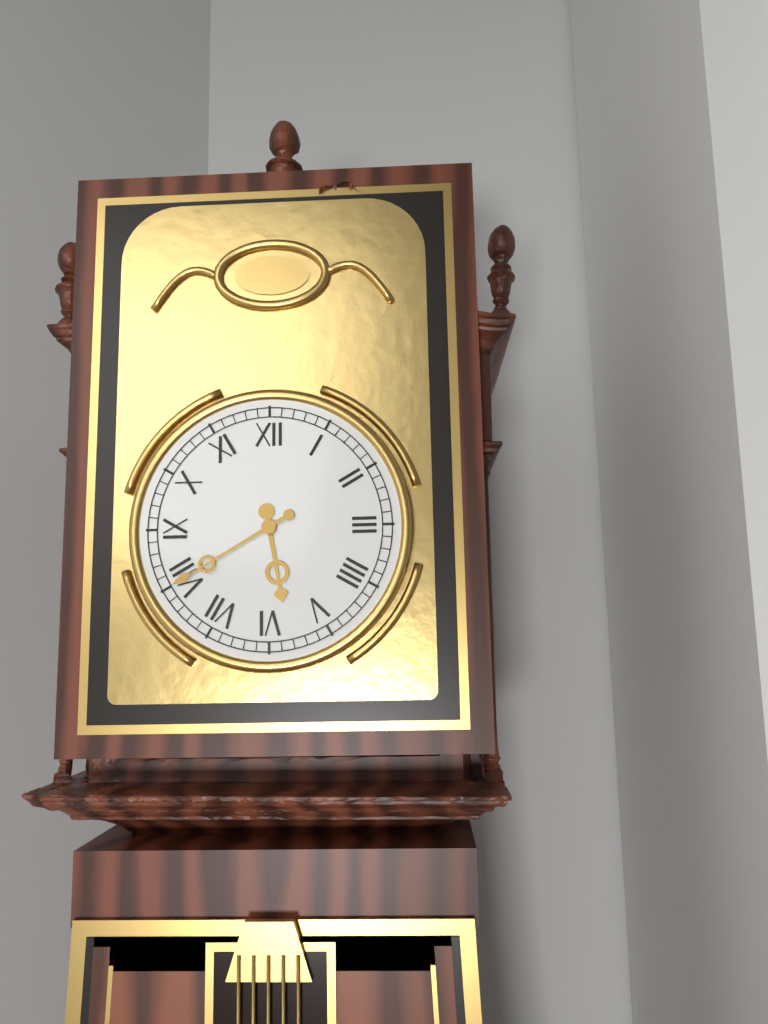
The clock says {"hour": 5, "minute": 40}
